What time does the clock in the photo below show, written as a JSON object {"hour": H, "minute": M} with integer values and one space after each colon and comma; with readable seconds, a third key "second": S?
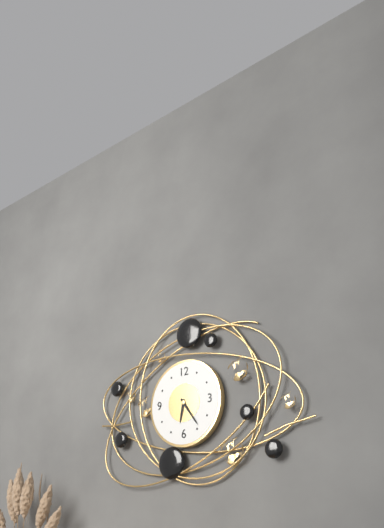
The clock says {"hour": 6, "minute": 24}
